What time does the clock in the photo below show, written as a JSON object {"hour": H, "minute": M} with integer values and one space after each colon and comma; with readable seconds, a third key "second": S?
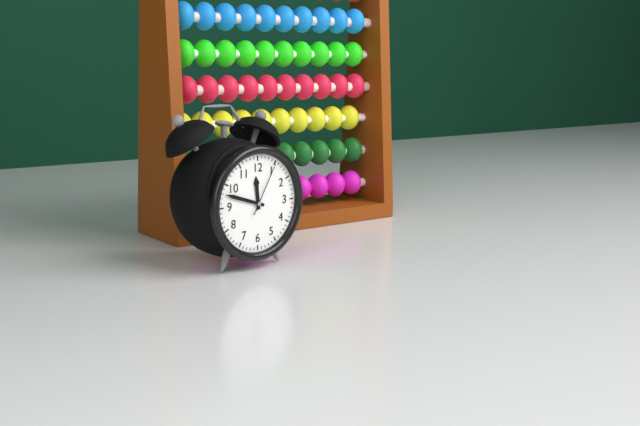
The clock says {"hour": 11, "minute": 48, "second": 5}
